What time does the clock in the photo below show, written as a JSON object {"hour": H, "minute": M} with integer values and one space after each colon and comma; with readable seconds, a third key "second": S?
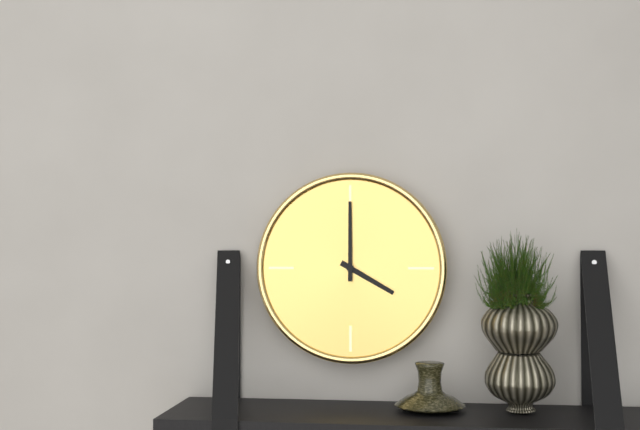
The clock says {"hour": 4, "minute": 0}
